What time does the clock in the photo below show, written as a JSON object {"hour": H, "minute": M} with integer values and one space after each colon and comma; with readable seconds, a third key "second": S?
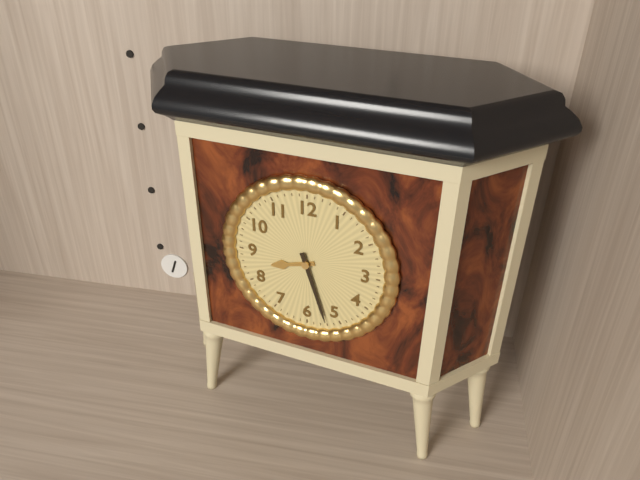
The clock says {"hour": 8, "minute": 27}
